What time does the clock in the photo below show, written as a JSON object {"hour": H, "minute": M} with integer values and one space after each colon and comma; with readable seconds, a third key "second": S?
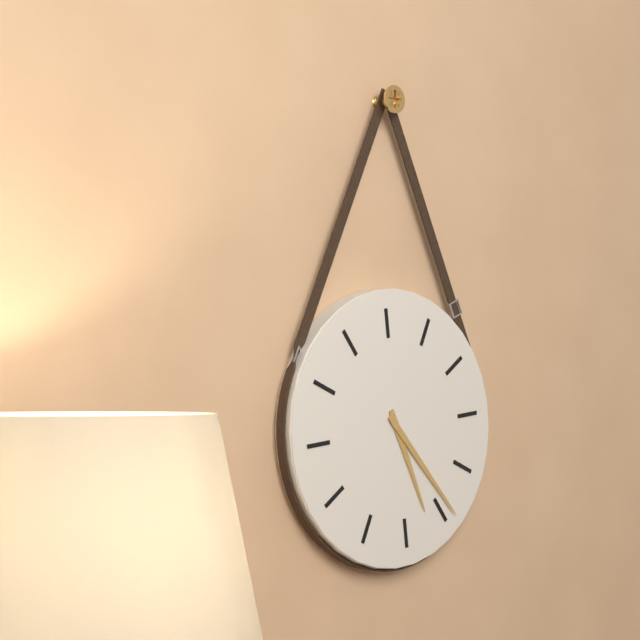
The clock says {"hour": 5, "minute": 24}
